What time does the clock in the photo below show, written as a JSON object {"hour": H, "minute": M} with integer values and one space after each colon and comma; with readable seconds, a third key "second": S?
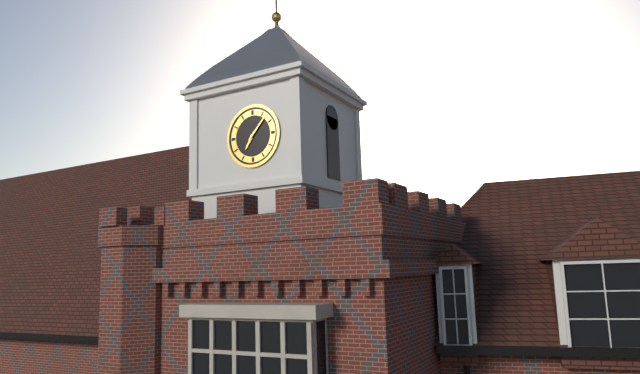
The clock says {"hour": 7, "minute": 7}
